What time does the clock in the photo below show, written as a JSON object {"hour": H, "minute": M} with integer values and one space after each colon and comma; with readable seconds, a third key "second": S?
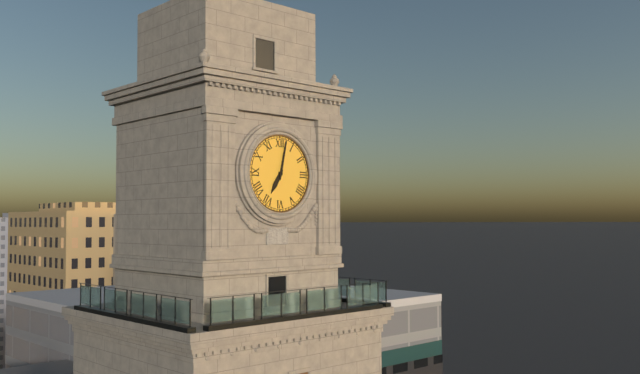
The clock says {"hour": 7, "minute": 2}
